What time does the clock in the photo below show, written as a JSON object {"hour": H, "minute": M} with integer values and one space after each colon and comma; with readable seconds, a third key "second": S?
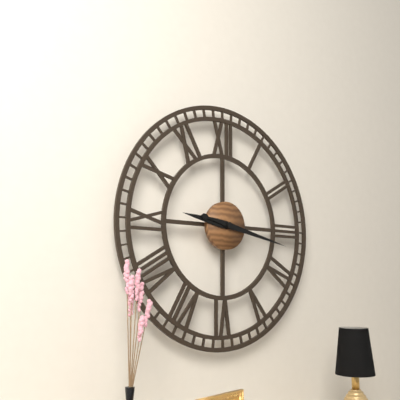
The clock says {"hour": 9, "minute": 17}
